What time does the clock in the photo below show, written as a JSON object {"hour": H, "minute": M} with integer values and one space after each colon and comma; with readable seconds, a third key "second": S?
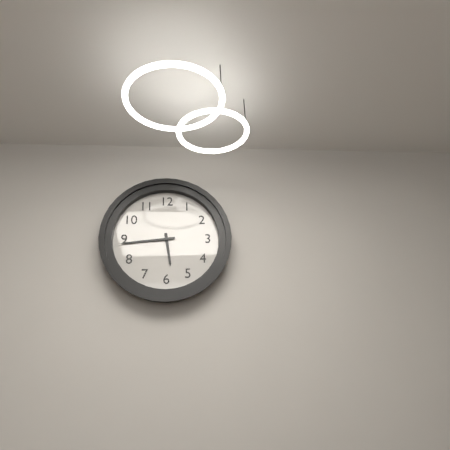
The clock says {"hour": 5, "minute": 44}
